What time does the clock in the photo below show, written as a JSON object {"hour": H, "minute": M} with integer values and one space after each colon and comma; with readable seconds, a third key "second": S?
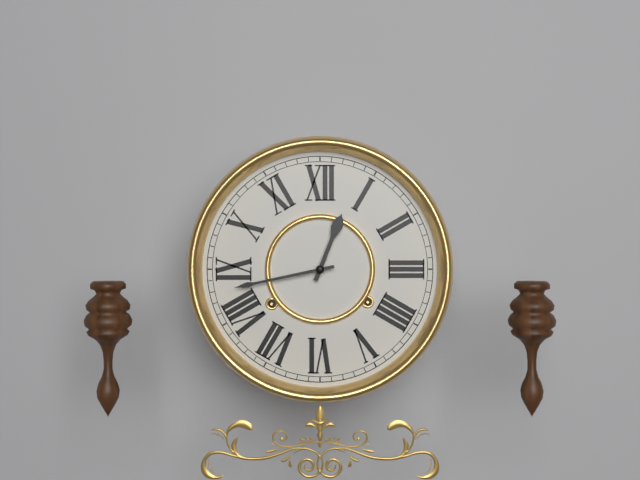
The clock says {"hour": 12, "minute": 43}
